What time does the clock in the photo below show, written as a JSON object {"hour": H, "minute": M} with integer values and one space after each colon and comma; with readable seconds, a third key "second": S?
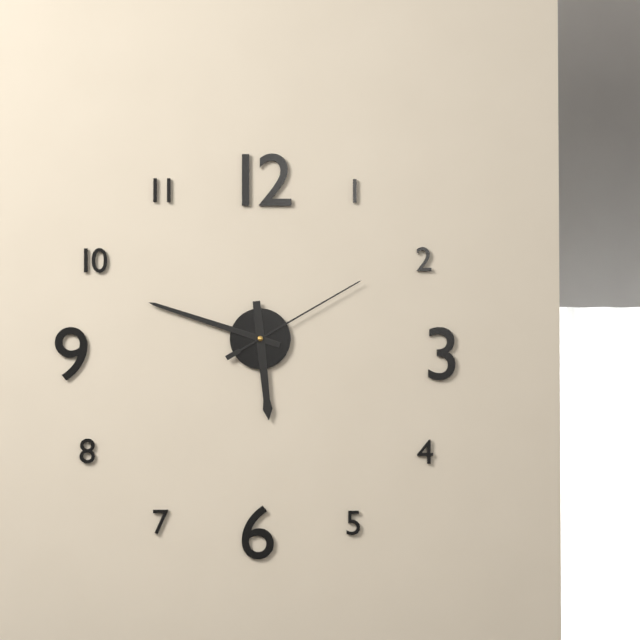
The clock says {"hour": 5, "minute": 48, "second": 10}
